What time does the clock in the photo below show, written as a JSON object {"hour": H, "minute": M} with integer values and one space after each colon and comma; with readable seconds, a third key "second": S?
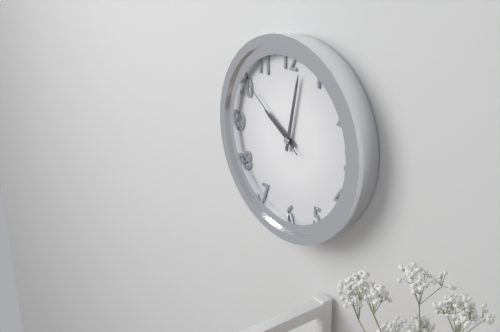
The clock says {"hour": 10, "minute": 2, "second": 51}
